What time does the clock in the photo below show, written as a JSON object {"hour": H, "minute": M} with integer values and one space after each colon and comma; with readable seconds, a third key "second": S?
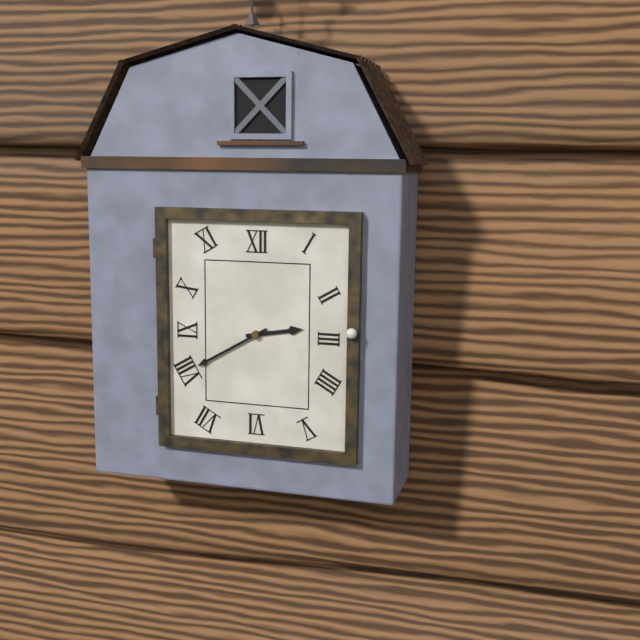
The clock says {"hour": 2, "minute": 40}
